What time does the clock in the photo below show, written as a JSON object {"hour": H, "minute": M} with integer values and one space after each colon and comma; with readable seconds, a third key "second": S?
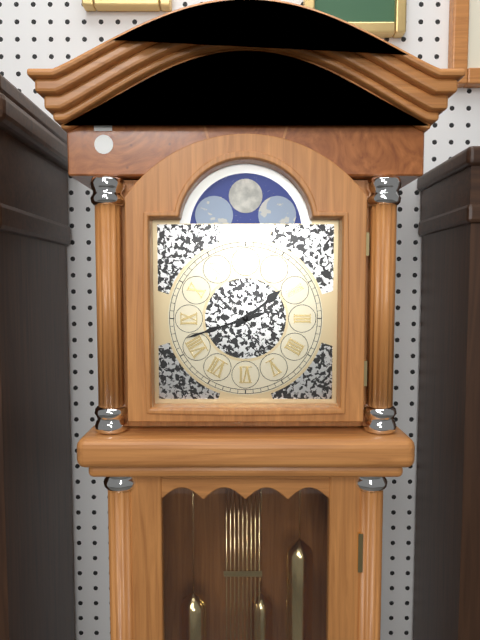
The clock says {"hour": 1, "minute": 42}
